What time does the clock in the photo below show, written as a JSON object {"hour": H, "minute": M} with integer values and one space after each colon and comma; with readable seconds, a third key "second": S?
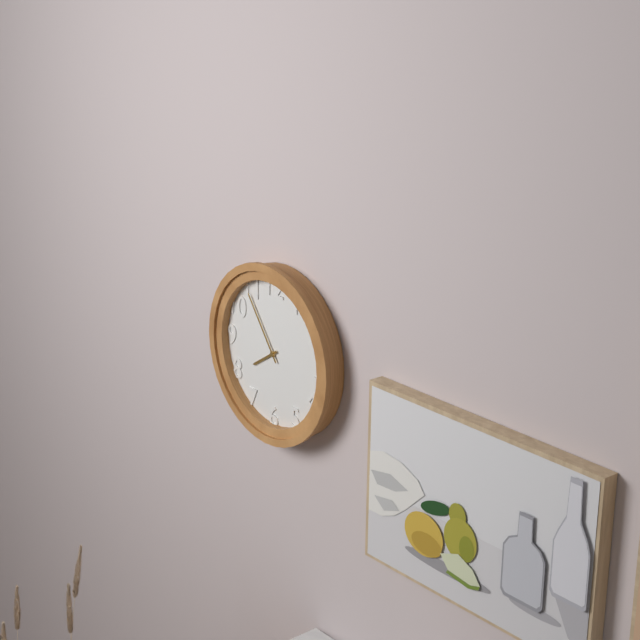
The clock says {"hour": 7, "minute": 54}
